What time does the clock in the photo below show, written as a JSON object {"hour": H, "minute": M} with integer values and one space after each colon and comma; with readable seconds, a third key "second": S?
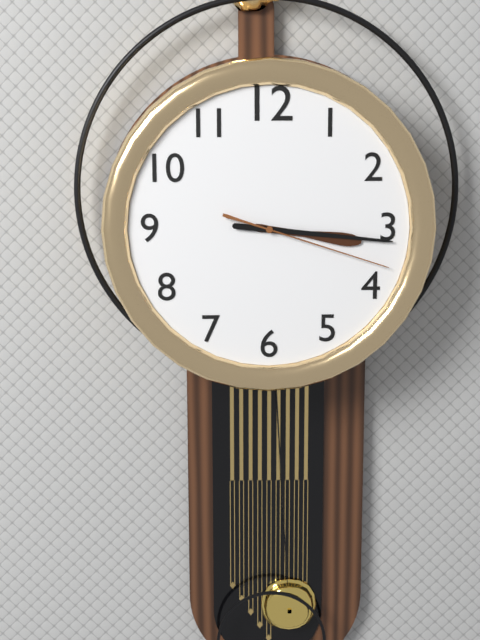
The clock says {"hour": 3, "minute": 16, "second": 18}
